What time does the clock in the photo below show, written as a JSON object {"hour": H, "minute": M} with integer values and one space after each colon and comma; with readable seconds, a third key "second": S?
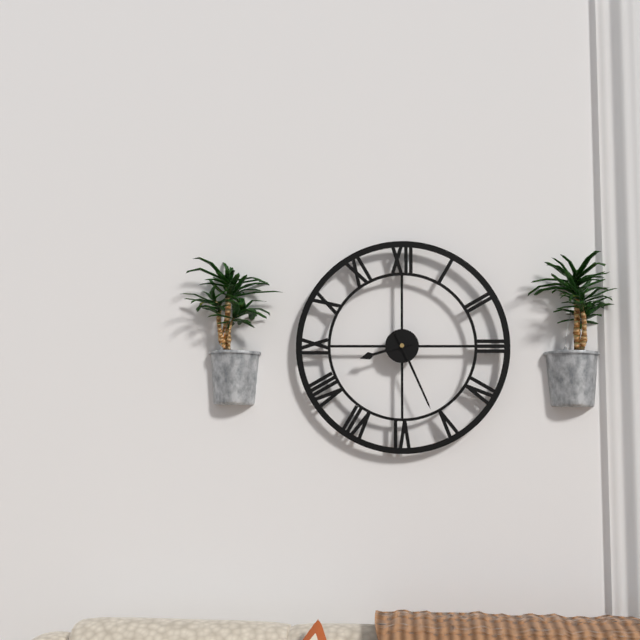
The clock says {"hour": 8, "minute": 26}
